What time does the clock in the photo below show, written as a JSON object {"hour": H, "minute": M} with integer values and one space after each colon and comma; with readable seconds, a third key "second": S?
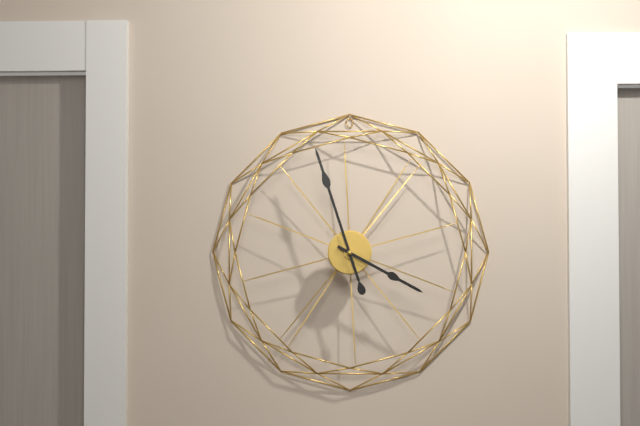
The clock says {"hour": 3, "minute": 57}
